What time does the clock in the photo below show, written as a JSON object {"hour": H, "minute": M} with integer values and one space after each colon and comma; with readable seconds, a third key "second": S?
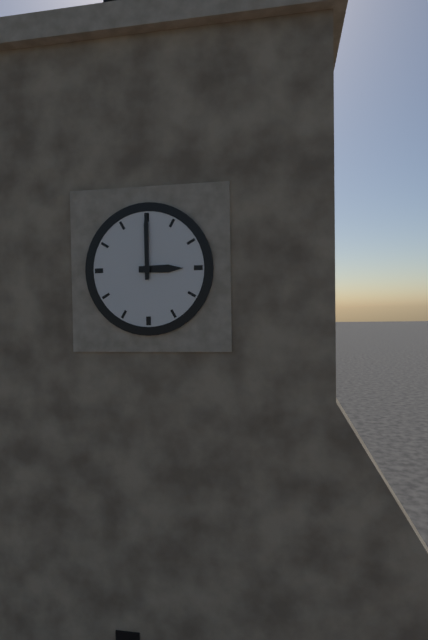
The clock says {"hour": 3, "minute": 0}
